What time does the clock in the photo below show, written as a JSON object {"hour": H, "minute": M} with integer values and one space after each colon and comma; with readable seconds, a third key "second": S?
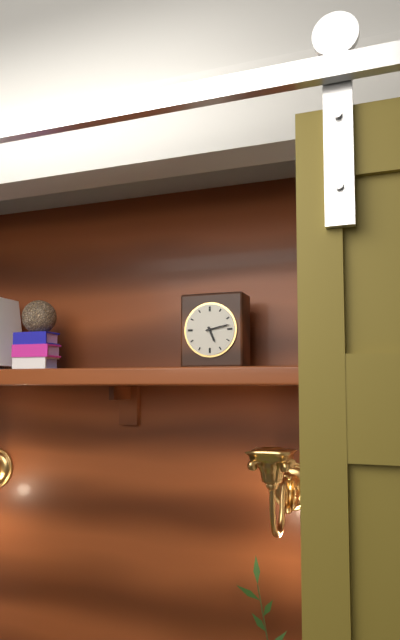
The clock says {"hour": 5, "minute": 13}
